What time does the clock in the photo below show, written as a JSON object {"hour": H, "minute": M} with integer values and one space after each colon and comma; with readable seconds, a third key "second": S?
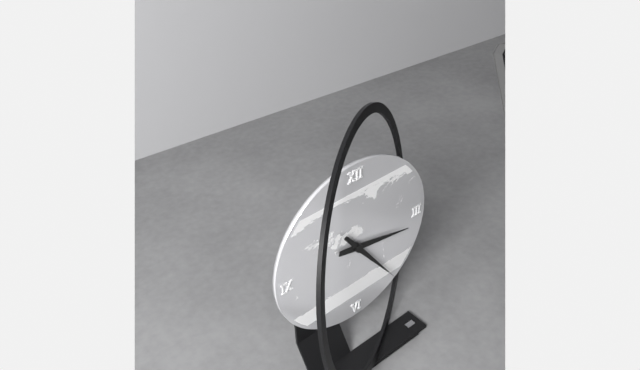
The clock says {"hour": 3, "minute": 24}
